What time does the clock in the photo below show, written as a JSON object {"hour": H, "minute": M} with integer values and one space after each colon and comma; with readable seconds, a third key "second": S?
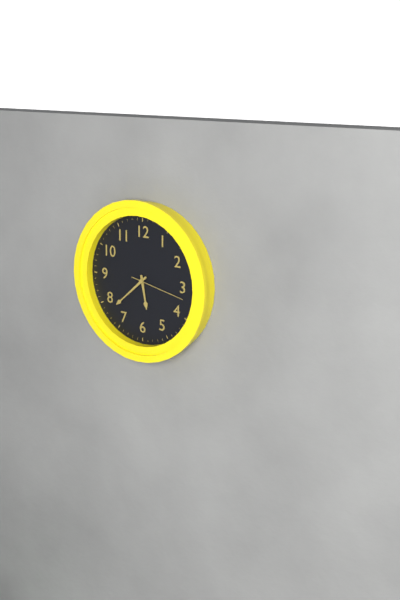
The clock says {"hour": 5, "minute": 38, "second": 17}
